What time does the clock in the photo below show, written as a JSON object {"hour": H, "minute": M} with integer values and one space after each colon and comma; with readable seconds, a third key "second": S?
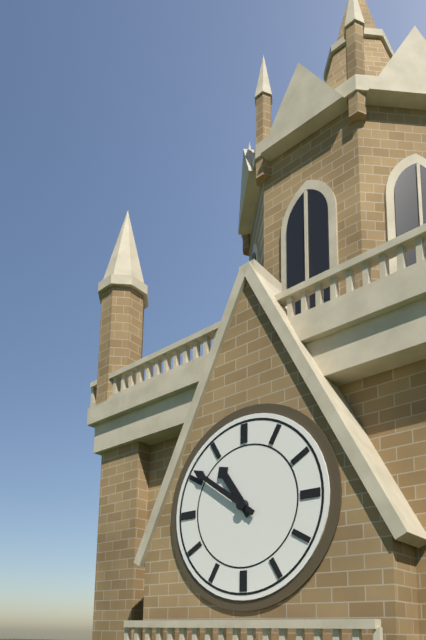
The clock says {"hour": 10, "minute": 51}
